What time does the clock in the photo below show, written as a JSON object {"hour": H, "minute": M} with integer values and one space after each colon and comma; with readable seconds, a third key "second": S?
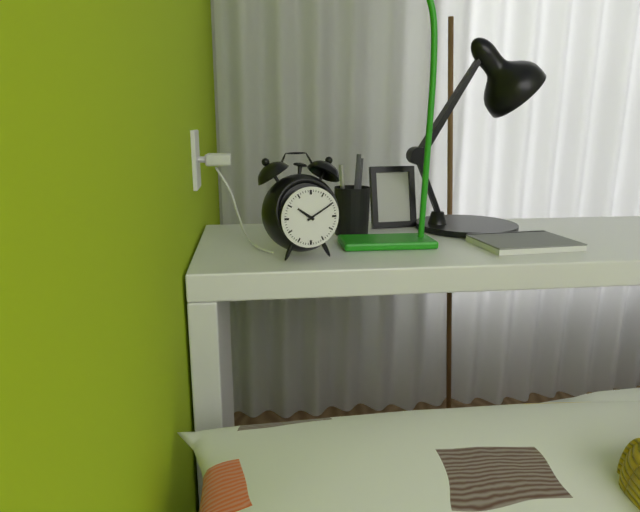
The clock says {"hour": 10, "minute": 10}
